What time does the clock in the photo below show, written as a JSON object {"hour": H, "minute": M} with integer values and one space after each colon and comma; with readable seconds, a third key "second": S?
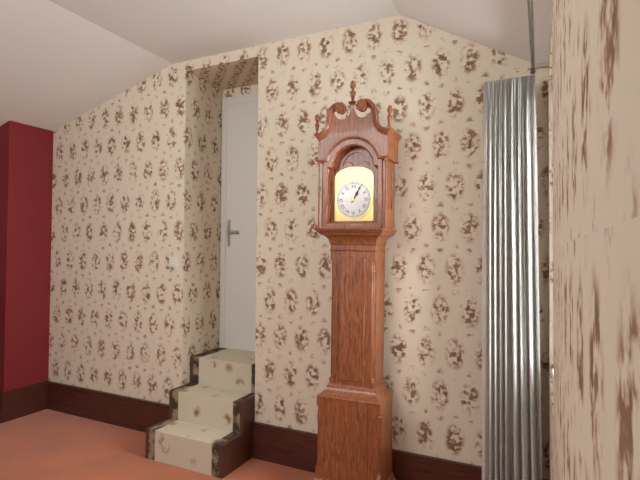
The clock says {"hour": 1, "minute": 5}
